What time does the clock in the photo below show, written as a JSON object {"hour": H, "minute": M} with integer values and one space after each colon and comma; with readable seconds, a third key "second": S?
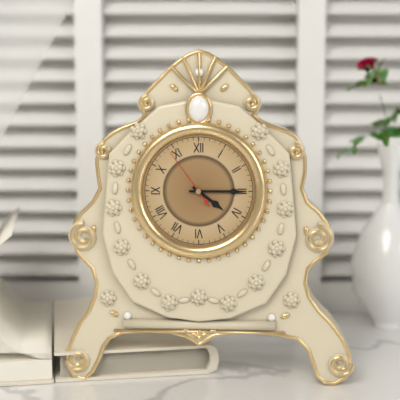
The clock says {"hour": 4, "minute": 15, "second": 54}
